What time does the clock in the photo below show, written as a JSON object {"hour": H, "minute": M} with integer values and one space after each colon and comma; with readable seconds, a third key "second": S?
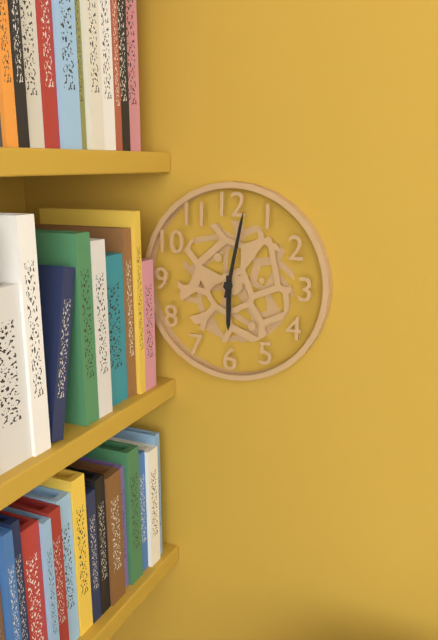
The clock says {"hour": 6, "minute": 2}
